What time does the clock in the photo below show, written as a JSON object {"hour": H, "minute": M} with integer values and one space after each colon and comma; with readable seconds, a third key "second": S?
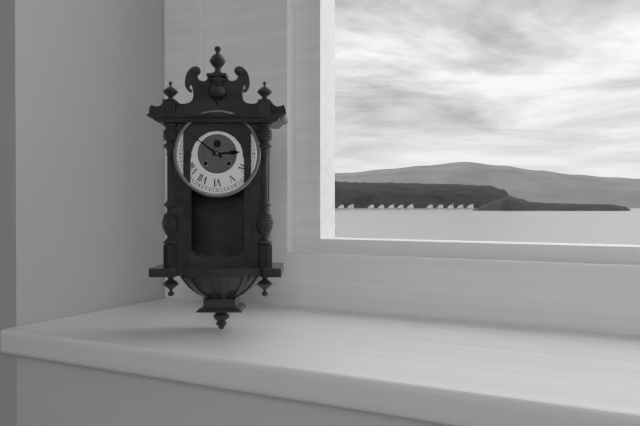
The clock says {"hour": 2, "minute": 51}
